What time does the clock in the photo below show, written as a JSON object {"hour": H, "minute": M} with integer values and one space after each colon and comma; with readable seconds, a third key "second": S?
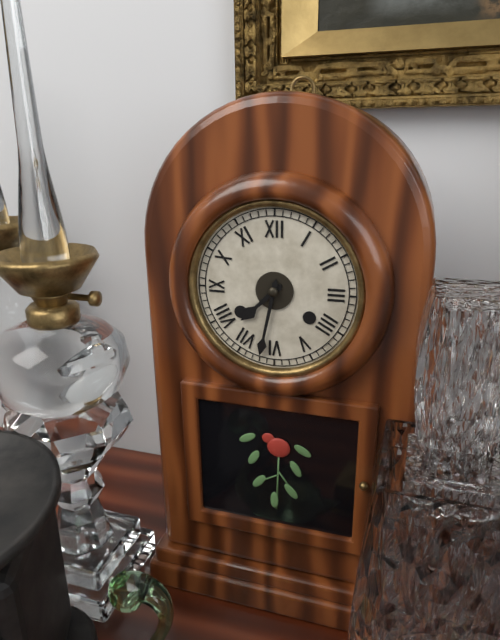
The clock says {"hour": 7, "minute": 32}
